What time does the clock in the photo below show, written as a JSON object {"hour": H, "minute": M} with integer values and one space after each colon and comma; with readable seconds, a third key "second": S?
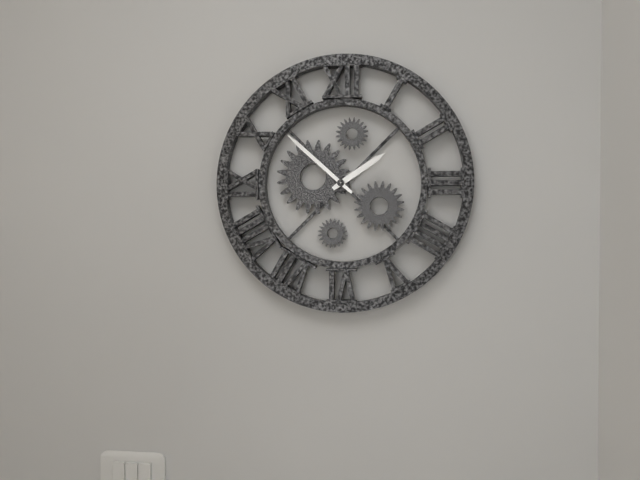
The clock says {"hour": 1, "minute": 52}
